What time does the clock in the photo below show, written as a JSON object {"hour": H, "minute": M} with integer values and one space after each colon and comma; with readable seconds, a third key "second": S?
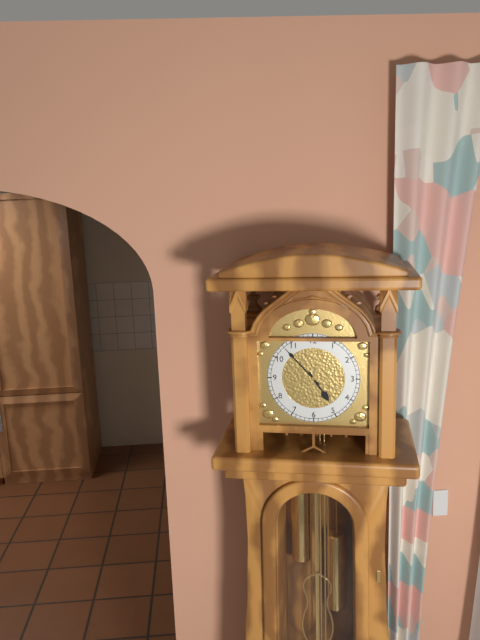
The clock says {"hour": 4, "minute": 53}
